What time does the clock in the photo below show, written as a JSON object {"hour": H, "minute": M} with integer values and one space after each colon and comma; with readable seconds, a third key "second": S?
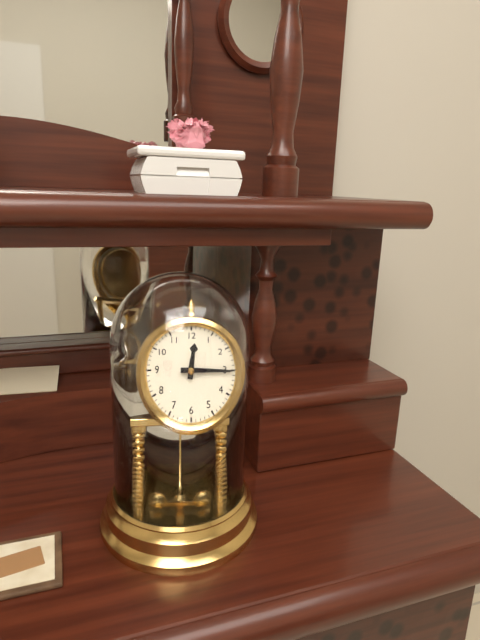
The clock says {"hour": 12, "minute": 15}
